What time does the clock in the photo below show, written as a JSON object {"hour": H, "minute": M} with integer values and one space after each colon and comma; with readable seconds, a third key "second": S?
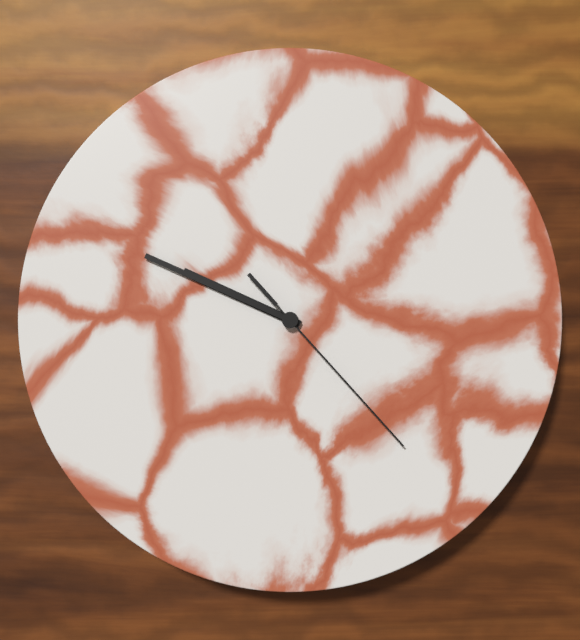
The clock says {"hour": 9, "minute": 49, "second": 23}
